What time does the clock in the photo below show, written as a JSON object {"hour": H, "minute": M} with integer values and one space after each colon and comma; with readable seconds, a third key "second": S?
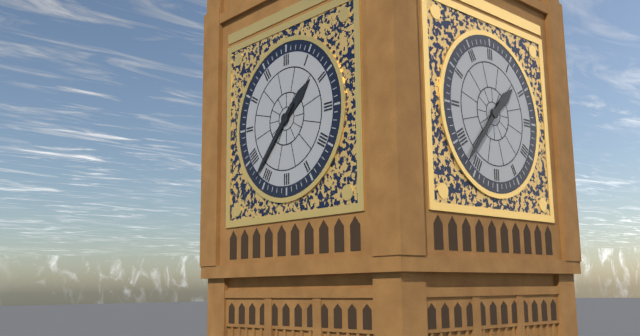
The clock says {"hour": 1, "minute": 37}
